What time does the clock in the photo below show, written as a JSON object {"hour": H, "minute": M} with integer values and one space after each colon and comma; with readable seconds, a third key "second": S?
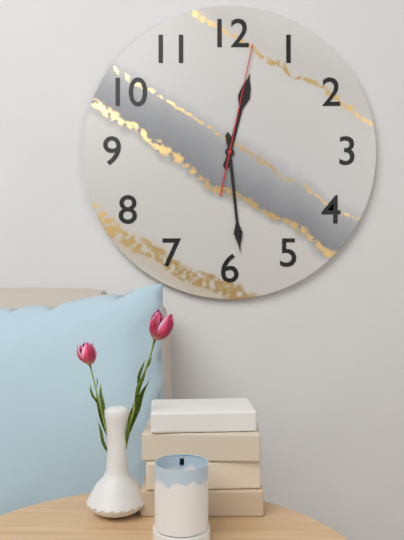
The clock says {"hour": 12, "minute": 29, "second": 2}
